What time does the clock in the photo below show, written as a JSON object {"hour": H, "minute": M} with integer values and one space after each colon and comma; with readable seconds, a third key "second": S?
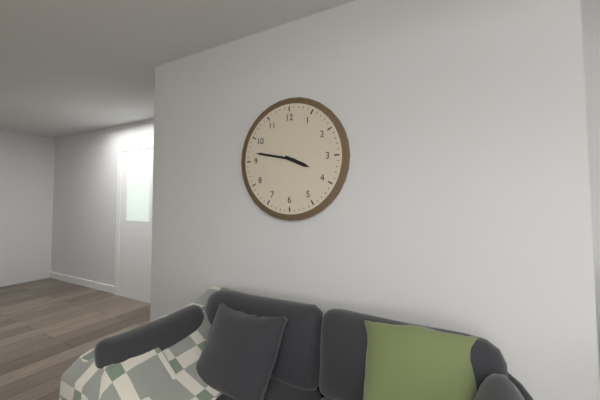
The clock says {"hour": 3, "minute": 47}
